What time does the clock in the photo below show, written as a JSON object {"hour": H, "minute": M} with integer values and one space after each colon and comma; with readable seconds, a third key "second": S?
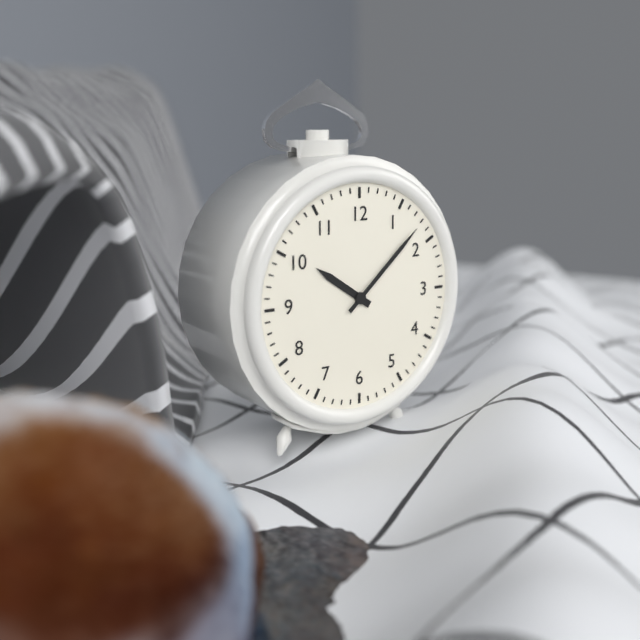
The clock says {"hour": 10, "minute": 8}
